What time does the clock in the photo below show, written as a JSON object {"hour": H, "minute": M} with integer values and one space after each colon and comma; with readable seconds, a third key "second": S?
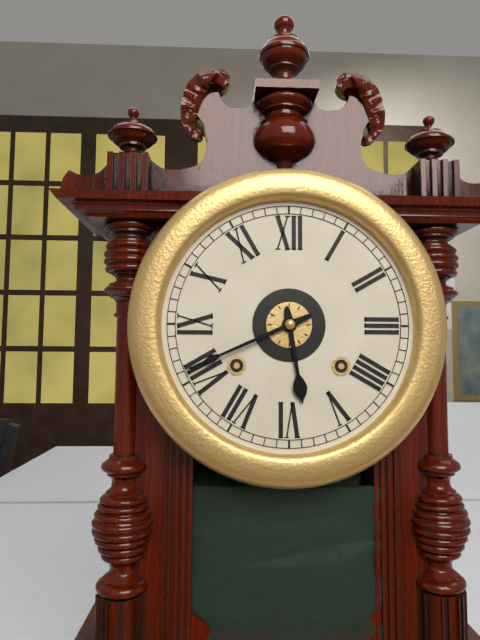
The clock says {"hour": 5, "minute": 41}
